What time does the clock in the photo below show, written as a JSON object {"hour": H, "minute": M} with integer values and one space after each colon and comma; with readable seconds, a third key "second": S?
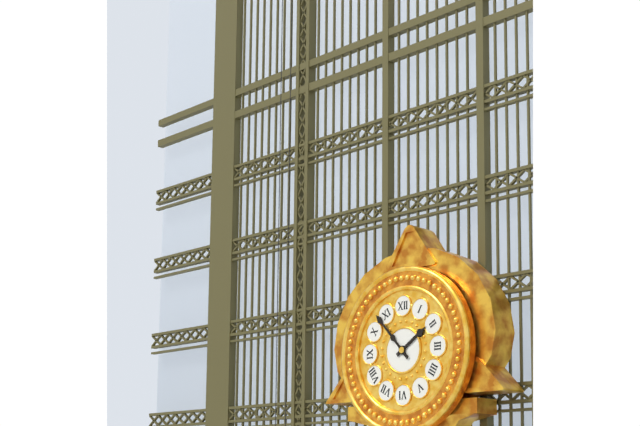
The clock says {"hour": 1, "minute": 53}
